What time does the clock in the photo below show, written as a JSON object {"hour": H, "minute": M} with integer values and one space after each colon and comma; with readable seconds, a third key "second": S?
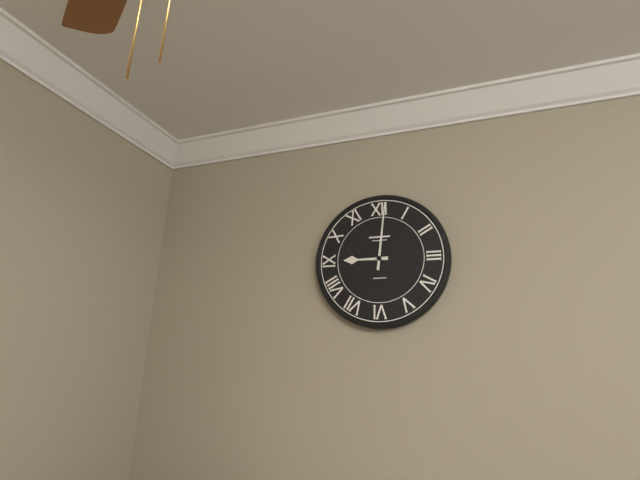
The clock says {"hour": 9, "minute": 1}
